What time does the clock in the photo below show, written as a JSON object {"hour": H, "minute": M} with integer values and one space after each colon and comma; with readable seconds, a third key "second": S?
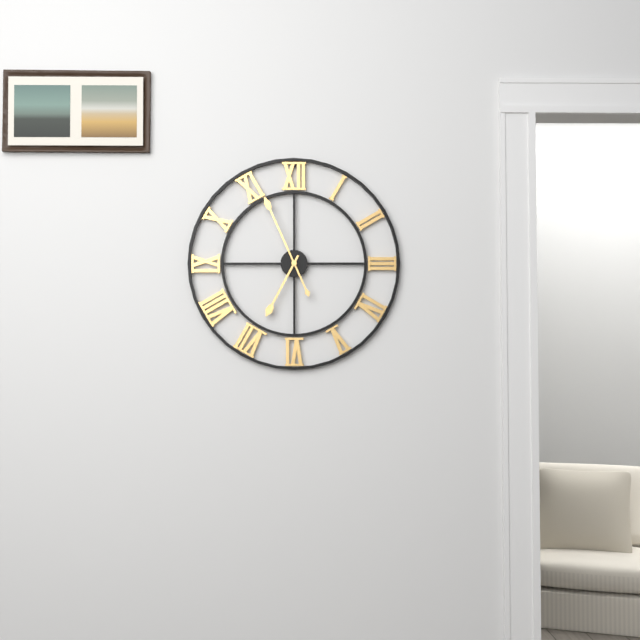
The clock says {"hour": 6, "minute": 56}
